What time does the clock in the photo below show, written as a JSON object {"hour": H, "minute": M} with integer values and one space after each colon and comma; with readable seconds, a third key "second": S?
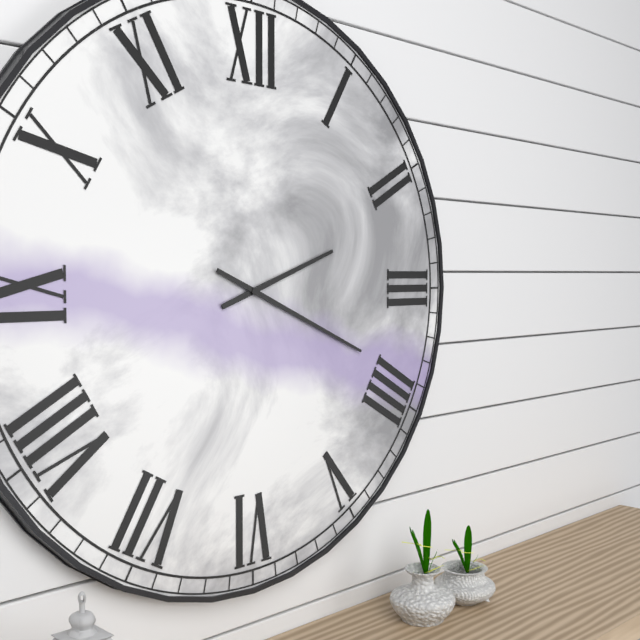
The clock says {"hour": 2, "minute": 19}
